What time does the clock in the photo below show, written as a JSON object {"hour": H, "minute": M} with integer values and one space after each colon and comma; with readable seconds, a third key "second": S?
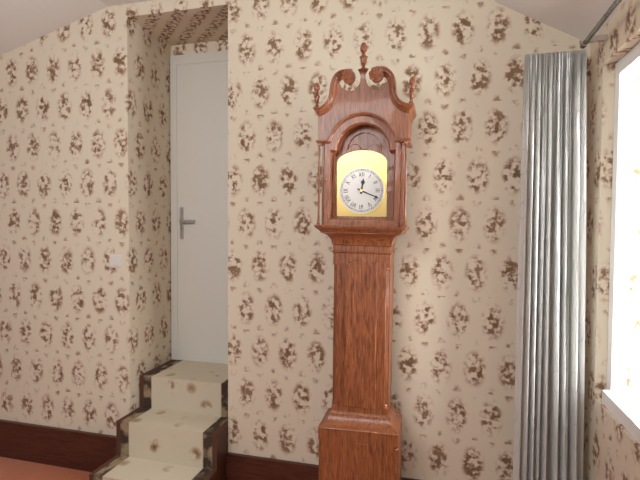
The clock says {"hour": 12, "minute": 19}
